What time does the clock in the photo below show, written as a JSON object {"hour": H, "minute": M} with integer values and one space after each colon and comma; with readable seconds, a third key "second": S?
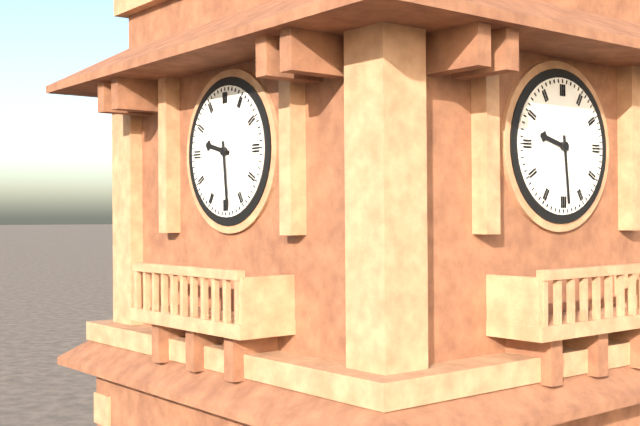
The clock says {"hour": 9, "minute": 29}
